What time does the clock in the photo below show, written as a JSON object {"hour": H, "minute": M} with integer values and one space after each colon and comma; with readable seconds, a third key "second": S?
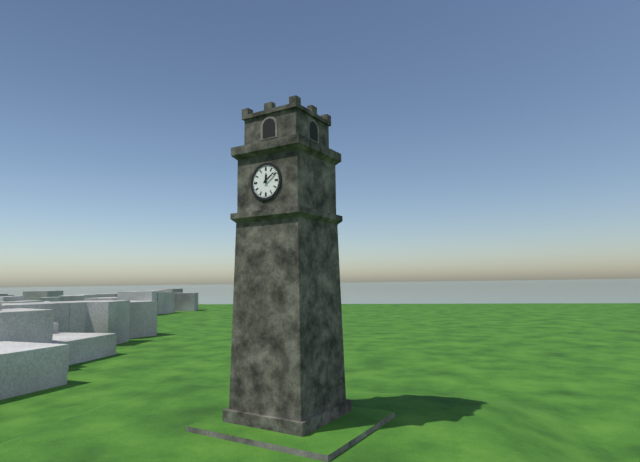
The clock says {"hour": 12, "minute": 9}
